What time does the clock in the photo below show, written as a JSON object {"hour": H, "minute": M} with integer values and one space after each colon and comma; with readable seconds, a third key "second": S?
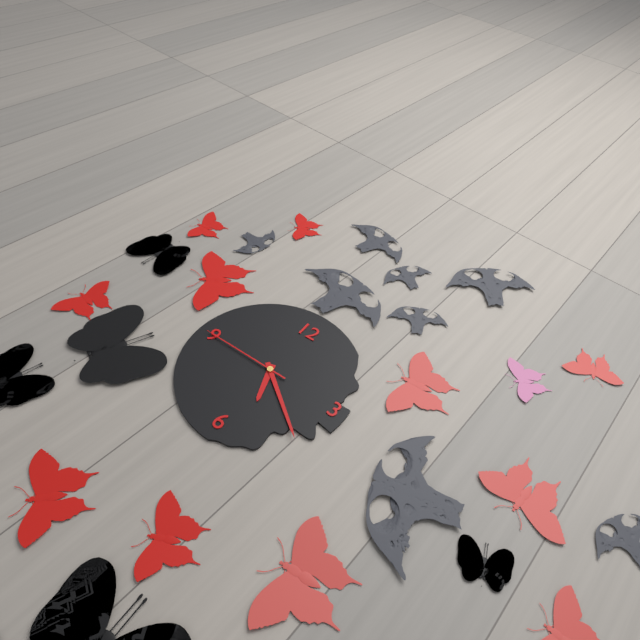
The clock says {"hour": 5, "minute": 21, "second": 45}
